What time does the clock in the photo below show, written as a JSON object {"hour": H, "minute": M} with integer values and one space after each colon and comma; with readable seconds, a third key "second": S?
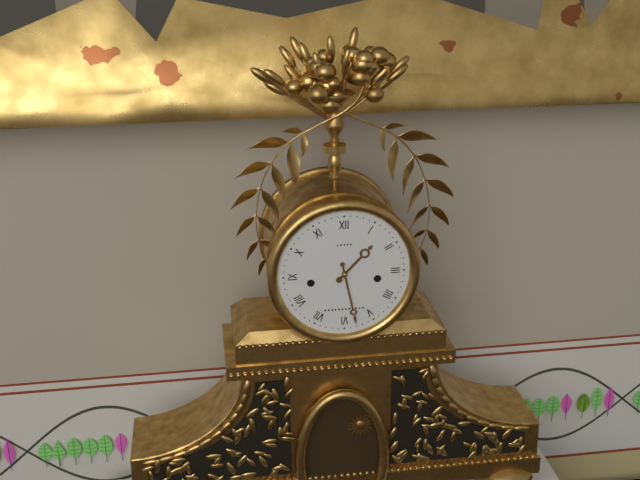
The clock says {"hour": 1, "minute": 28}
